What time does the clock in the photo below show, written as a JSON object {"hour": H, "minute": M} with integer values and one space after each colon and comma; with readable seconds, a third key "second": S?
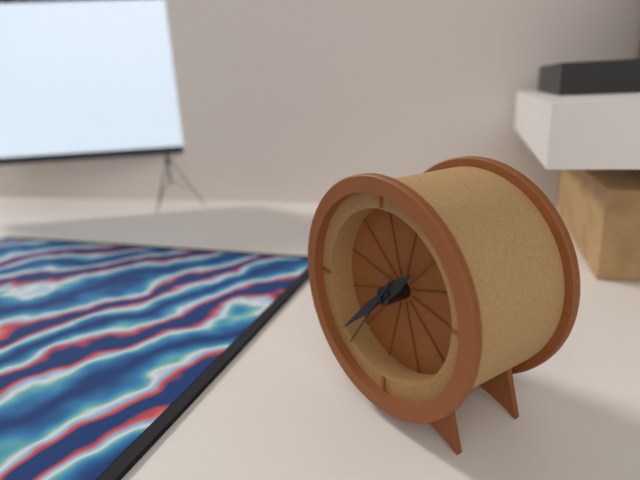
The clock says {"hour": 1, "minute": 38, "second": 36}
